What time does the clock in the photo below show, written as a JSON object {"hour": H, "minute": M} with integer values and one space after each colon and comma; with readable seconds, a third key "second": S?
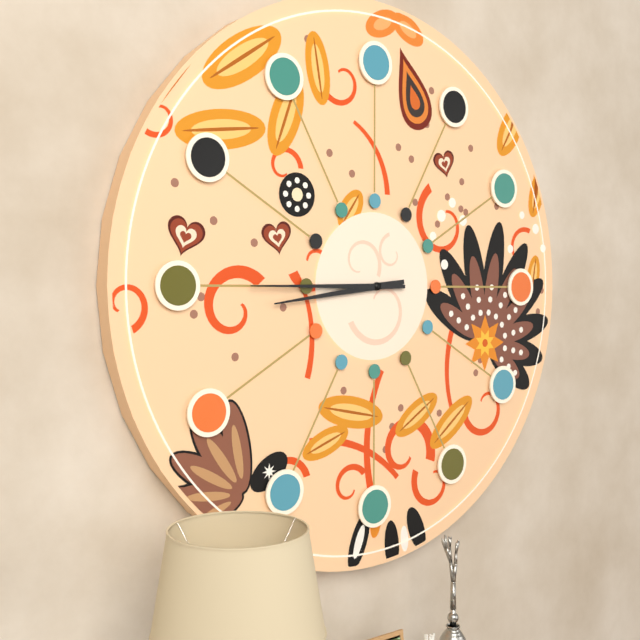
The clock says {"hour": 8, "minute": 45}
